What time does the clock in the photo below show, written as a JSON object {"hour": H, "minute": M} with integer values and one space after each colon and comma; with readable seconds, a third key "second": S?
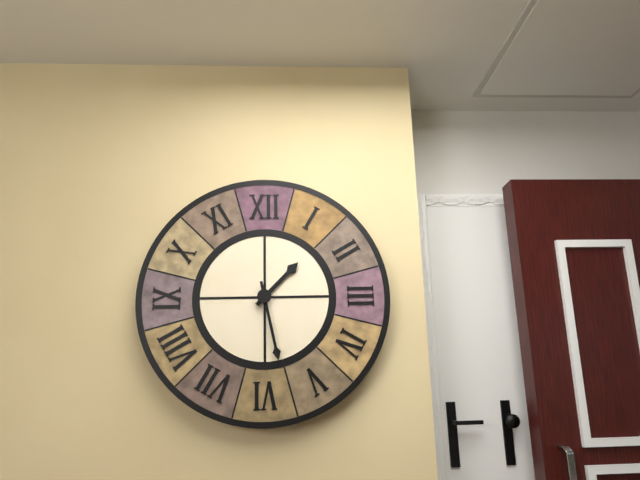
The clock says {"hour": 1, "minute": 28}
